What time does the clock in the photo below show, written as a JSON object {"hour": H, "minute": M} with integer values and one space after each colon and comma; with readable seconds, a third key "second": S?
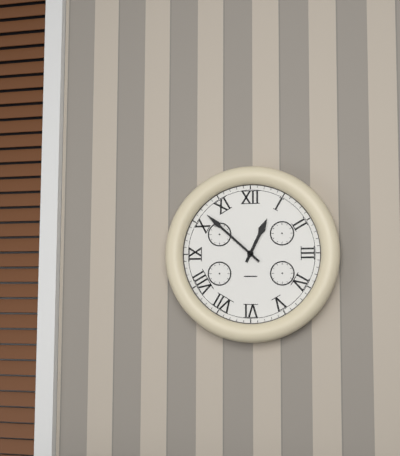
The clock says {"hour": 12, "minute": 52}
